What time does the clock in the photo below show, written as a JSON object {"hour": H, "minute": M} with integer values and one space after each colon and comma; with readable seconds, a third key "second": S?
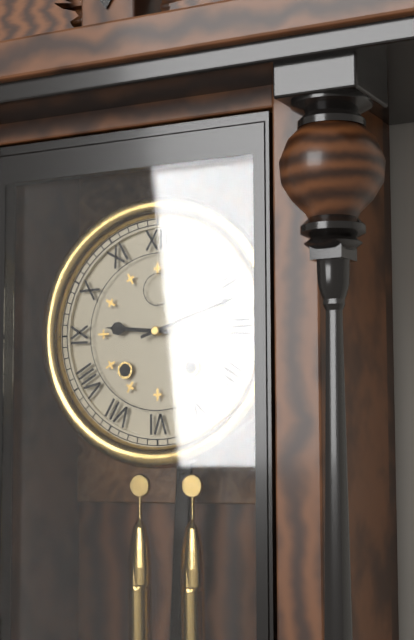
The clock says {"hour": 9, "minute": 12}
